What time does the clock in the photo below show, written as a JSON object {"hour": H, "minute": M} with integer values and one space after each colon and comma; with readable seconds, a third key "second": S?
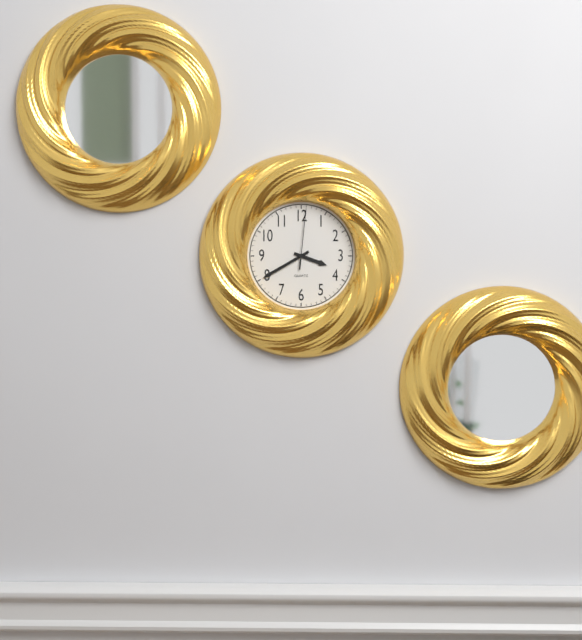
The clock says {"hour": 3, "minute": 40, "second": 1}
